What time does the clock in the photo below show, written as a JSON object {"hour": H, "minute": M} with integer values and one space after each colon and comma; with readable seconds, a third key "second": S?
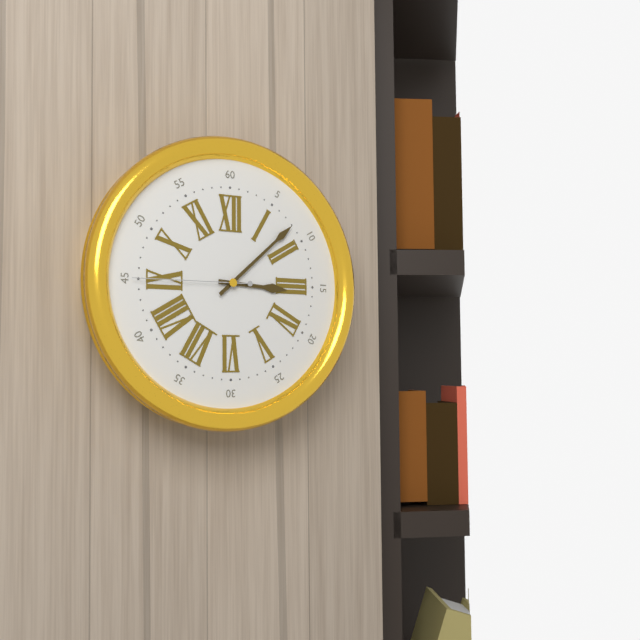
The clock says {"hour": 3, "minute": 8, "second": 45}
